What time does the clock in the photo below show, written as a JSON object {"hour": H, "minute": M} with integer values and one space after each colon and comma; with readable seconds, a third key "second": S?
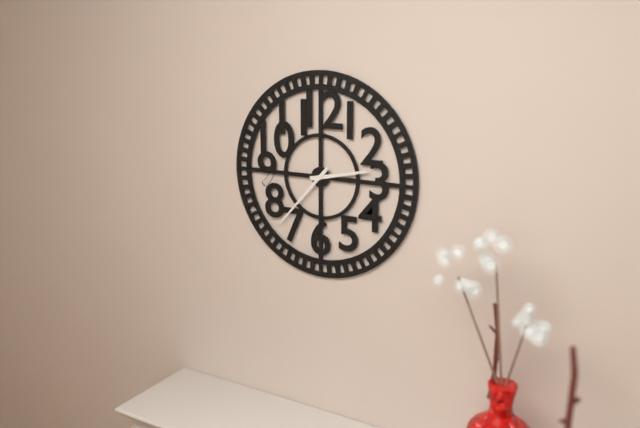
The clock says {"hour": 2, "minute": 37}
